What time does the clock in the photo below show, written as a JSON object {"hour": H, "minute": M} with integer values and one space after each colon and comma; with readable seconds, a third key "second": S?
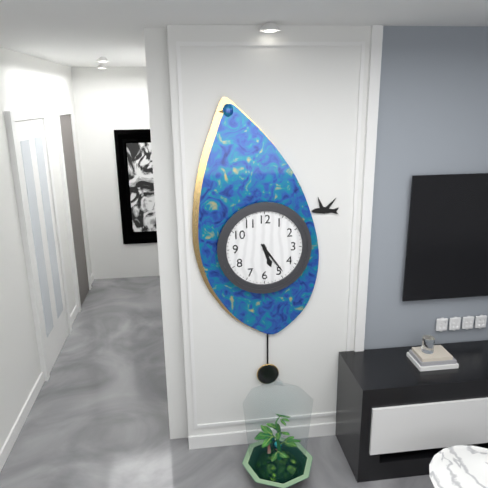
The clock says {"hour": 5, "minute": 24}
